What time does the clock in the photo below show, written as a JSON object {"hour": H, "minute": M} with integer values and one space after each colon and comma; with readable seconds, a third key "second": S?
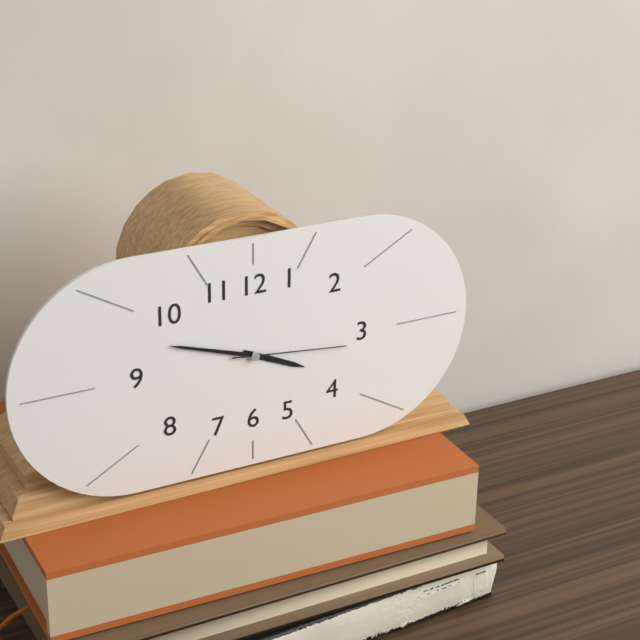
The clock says {"hour": 3, "minute": 48, "second": 16}
